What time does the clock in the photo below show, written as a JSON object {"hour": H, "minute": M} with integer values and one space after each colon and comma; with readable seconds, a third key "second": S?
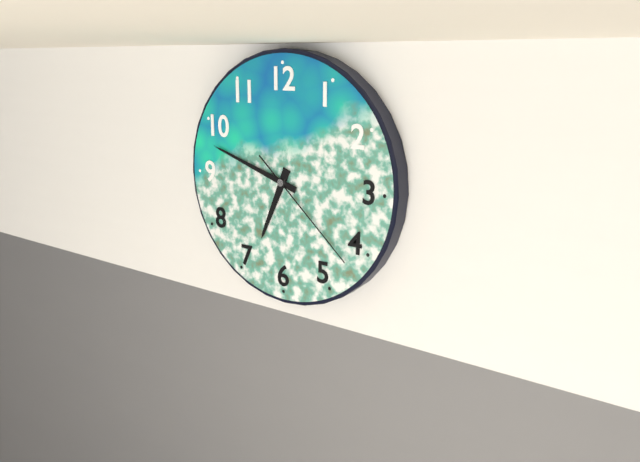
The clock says {"hour": 6, "minute": 48, "second": 22}
